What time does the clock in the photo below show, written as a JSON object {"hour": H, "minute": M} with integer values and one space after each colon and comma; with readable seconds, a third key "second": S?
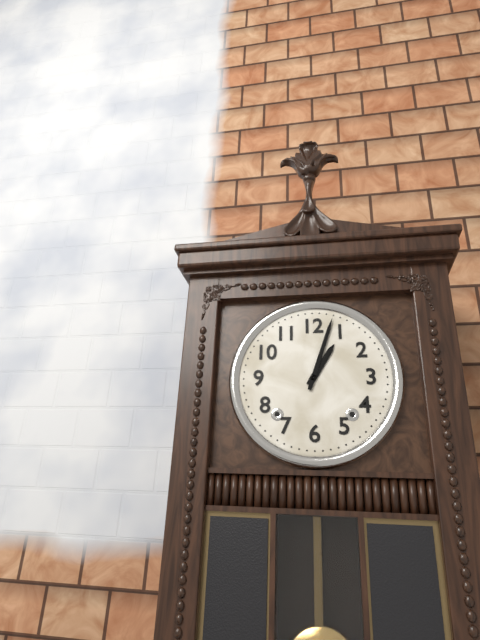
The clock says {"hour": 1, "minute": 3}
